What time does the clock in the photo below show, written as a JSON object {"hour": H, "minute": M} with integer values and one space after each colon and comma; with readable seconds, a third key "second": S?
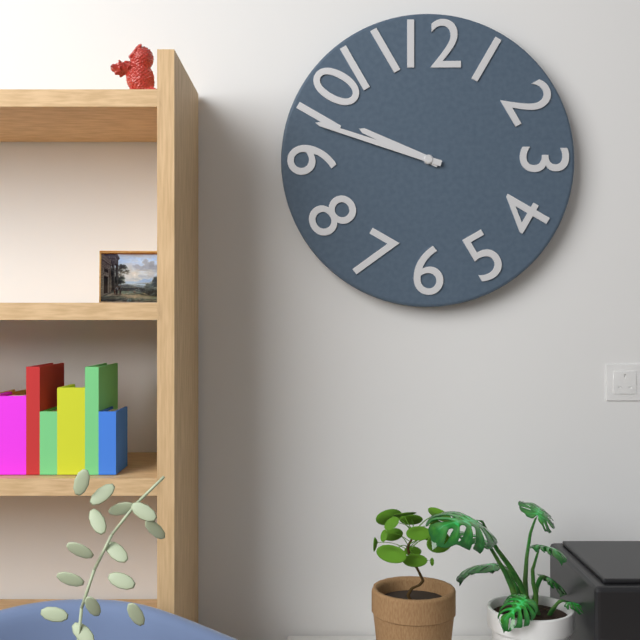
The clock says {"hour": 9, "minute": 48}
